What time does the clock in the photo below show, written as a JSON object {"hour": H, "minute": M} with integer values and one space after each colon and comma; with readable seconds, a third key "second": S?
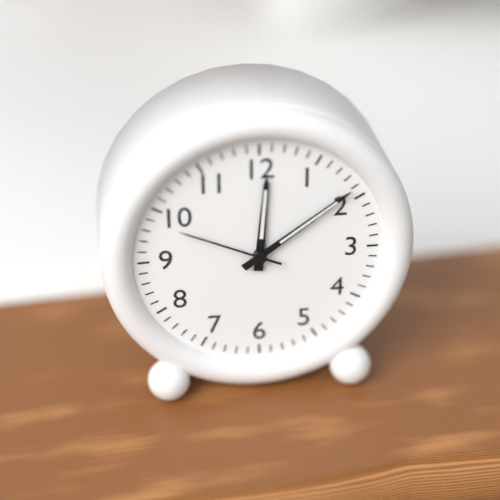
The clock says {"hour": 12, "minute": 9, "second": 49}
